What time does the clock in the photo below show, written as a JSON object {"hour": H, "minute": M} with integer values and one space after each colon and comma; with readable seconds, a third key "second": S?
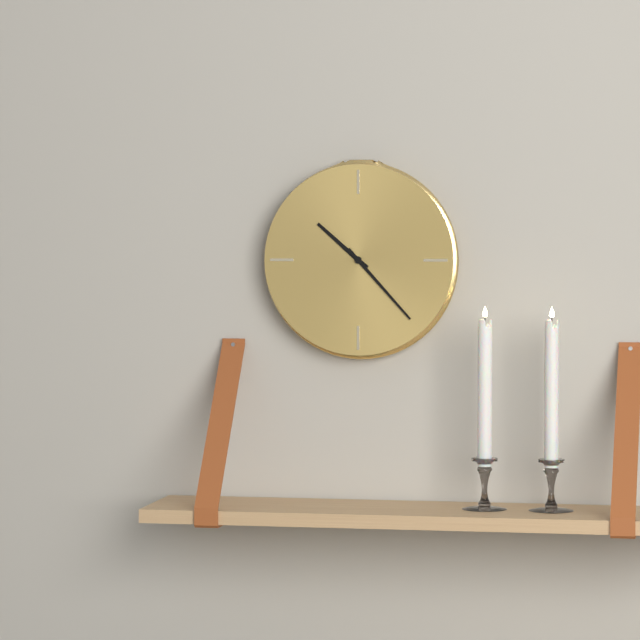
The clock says {"hour": 10, "minute": 23}
